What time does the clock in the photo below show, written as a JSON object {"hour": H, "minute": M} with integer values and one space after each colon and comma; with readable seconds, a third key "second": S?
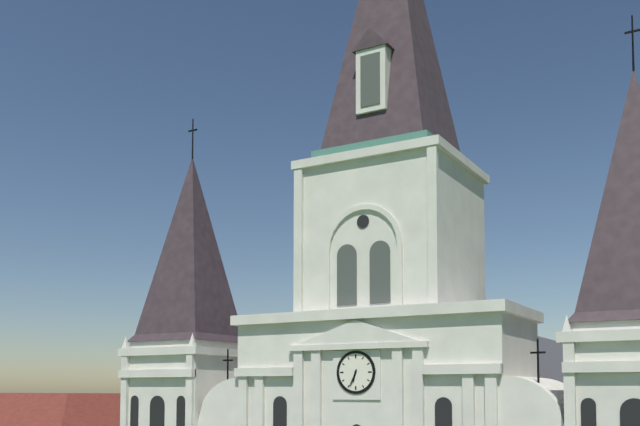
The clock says {"hour": 6, "minute": 34}
